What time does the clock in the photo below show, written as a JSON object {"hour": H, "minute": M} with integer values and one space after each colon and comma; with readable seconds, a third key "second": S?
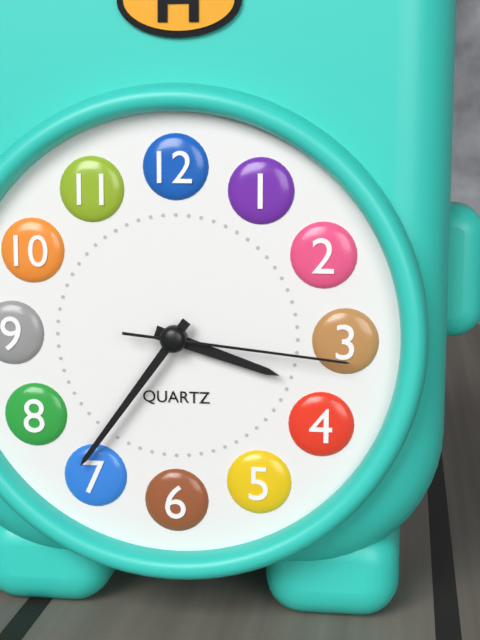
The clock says {"hour": 3, "minute": 36, "second": 16}
